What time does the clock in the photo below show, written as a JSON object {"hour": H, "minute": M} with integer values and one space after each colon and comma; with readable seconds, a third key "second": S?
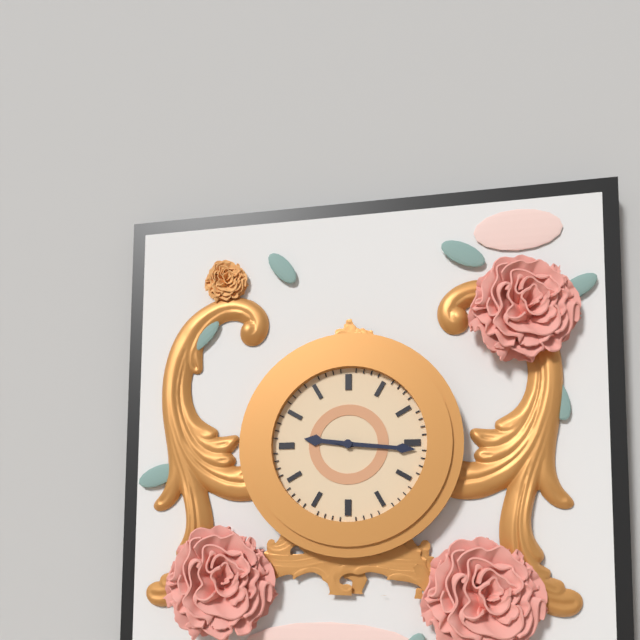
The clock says {"hour": 9, "minute": 16}
